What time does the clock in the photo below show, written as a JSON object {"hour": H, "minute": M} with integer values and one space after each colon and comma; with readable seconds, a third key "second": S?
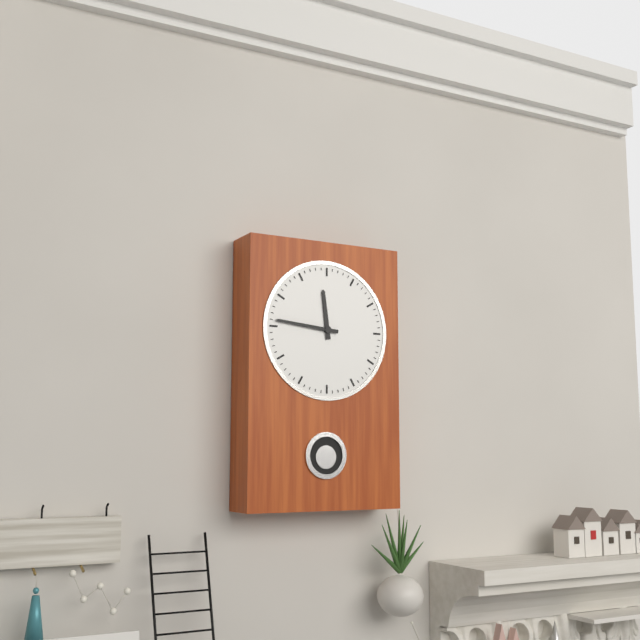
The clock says {"hour": 11, "minute": 46}
